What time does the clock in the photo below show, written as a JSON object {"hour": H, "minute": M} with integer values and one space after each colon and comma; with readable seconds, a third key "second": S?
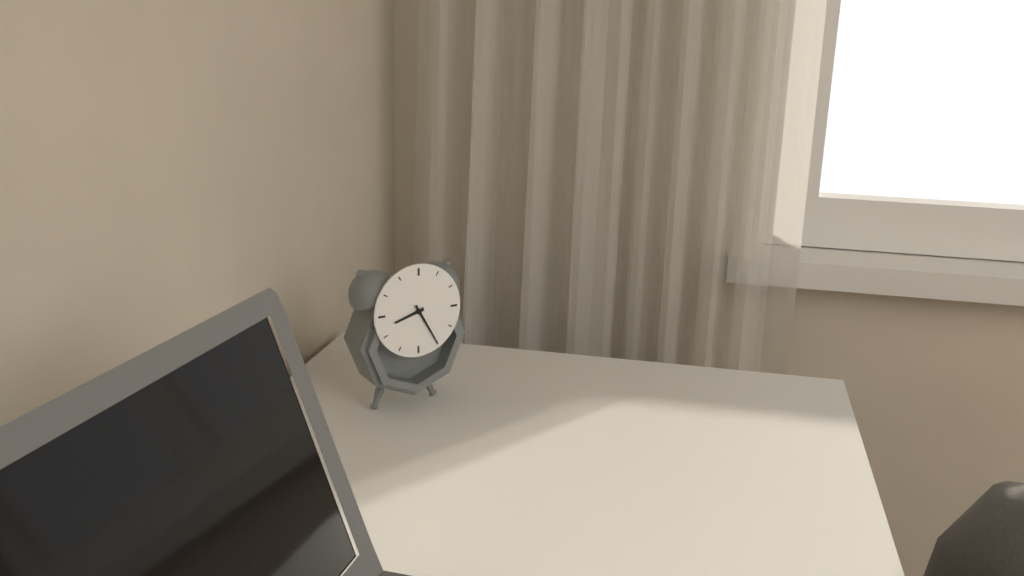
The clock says {"hour": 8, "minute": 25}
